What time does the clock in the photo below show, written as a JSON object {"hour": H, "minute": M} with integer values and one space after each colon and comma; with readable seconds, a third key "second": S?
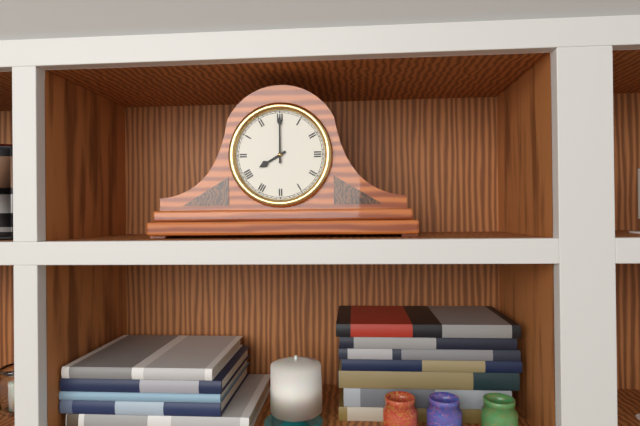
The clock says {"hour": 8, "minute": 0}
